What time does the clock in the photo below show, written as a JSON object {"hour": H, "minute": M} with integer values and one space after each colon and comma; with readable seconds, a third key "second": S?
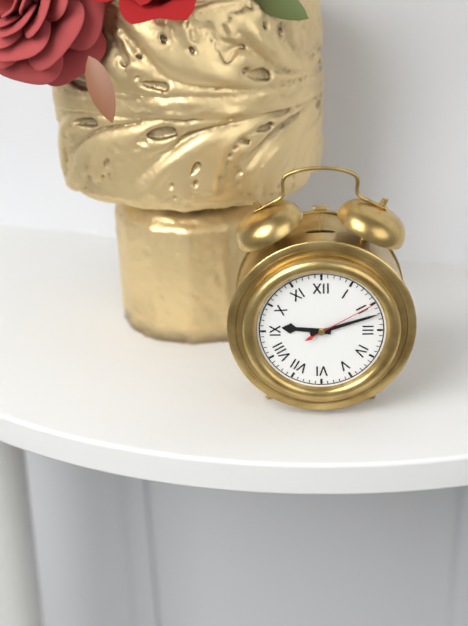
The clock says {"hour": 9, "minute": 12, "second": 10}
